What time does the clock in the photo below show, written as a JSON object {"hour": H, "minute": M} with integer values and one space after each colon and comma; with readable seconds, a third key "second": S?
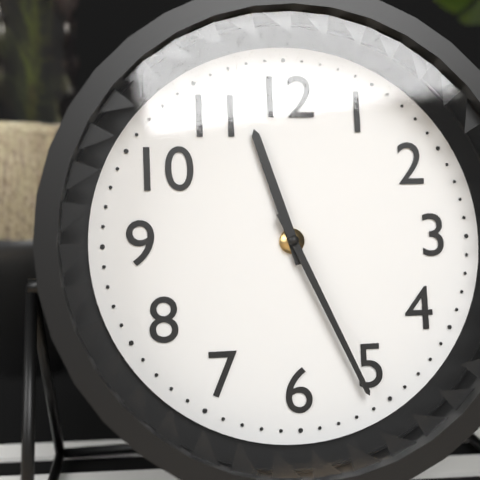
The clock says {"hour": 11, "minute": 26}
